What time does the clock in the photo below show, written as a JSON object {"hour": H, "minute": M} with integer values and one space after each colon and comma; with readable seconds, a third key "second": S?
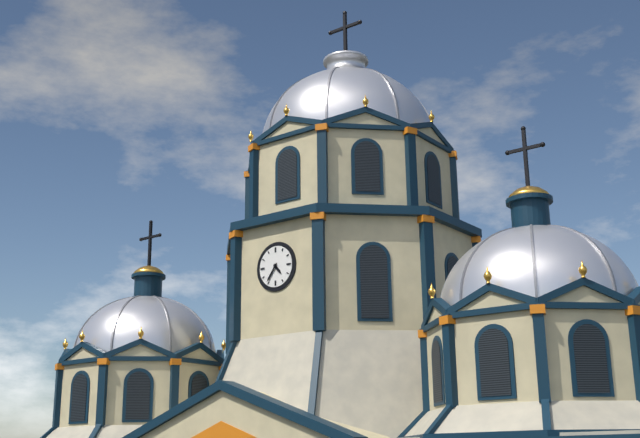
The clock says {"hour": 4, "minute": 36}
